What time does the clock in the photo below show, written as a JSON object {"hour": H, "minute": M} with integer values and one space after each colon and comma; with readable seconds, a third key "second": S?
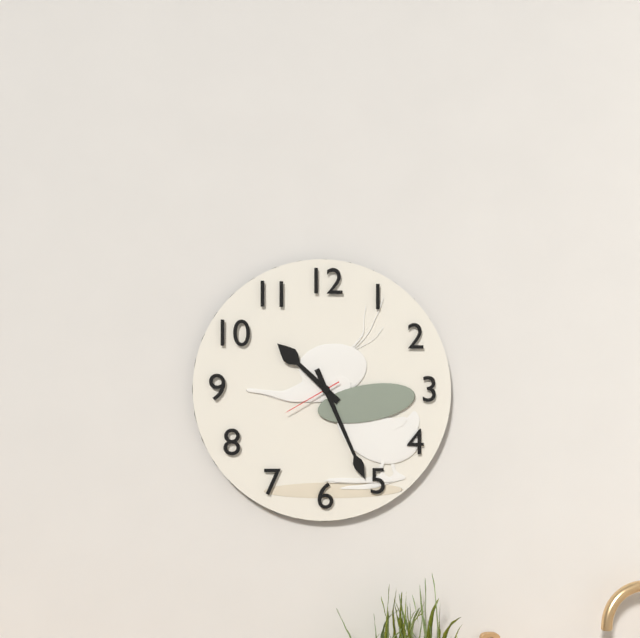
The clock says {"hour": 10, "minute": 26, "second": 40}
